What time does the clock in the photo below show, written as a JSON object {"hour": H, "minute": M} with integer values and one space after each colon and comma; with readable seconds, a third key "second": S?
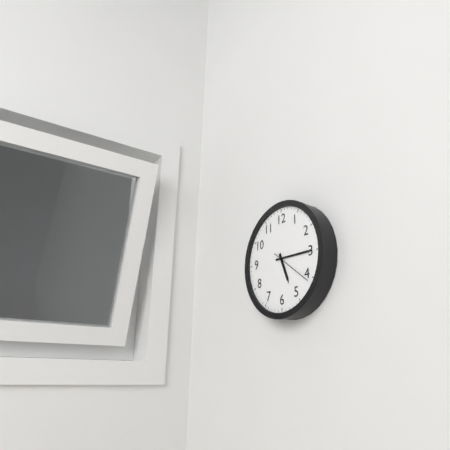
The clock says {"hour": 5, "minute": 15}
